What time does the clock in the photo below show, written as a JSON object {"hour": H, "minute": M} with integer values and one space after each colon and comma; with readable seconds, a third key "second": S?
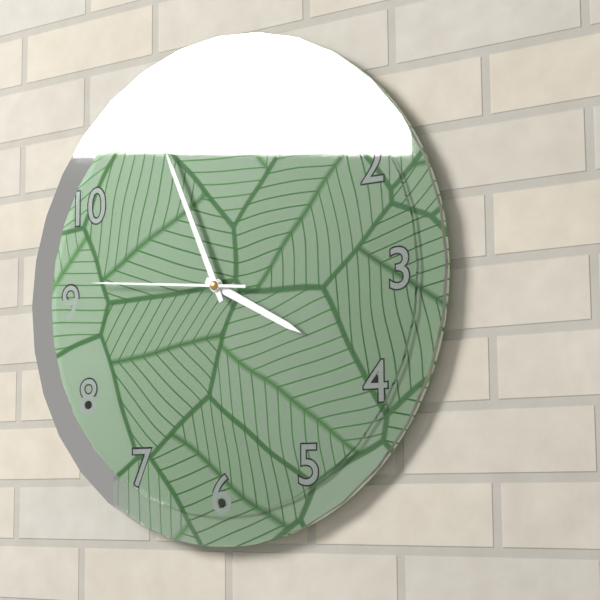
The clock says {"hour": 3, "minute": 56, "second": 46}
